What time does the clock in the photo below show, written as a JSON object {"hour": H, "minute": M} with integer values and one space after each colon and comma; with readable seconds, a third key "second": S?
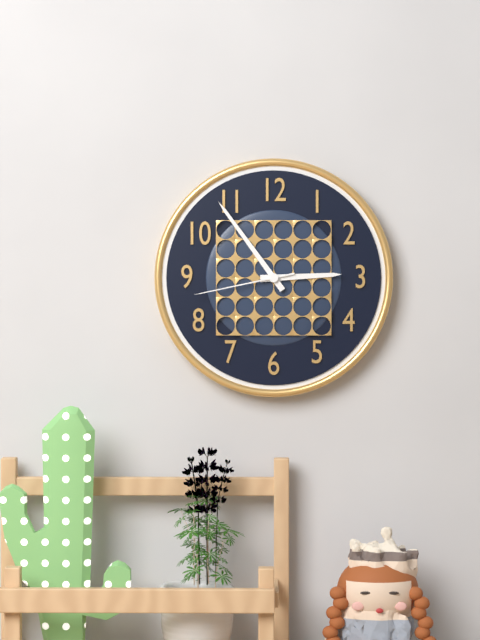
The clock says {"hour": 2, "minute": 54, "second": 43}
